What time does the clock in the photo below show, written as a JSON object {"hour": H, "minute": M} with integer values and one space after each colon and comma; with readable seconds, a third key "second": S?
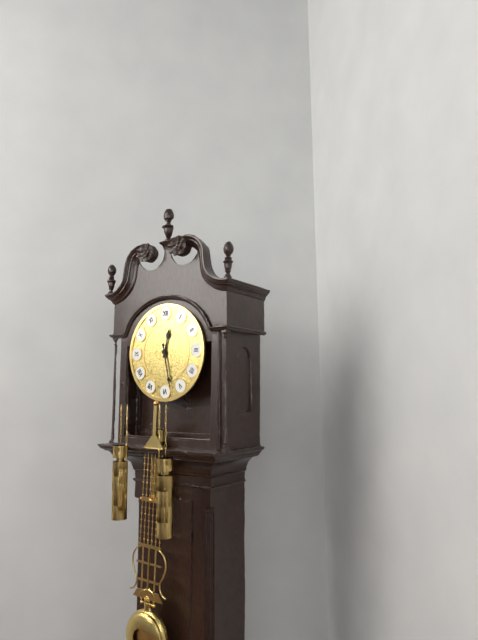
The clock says {"hour": 12, "minute": 28}
